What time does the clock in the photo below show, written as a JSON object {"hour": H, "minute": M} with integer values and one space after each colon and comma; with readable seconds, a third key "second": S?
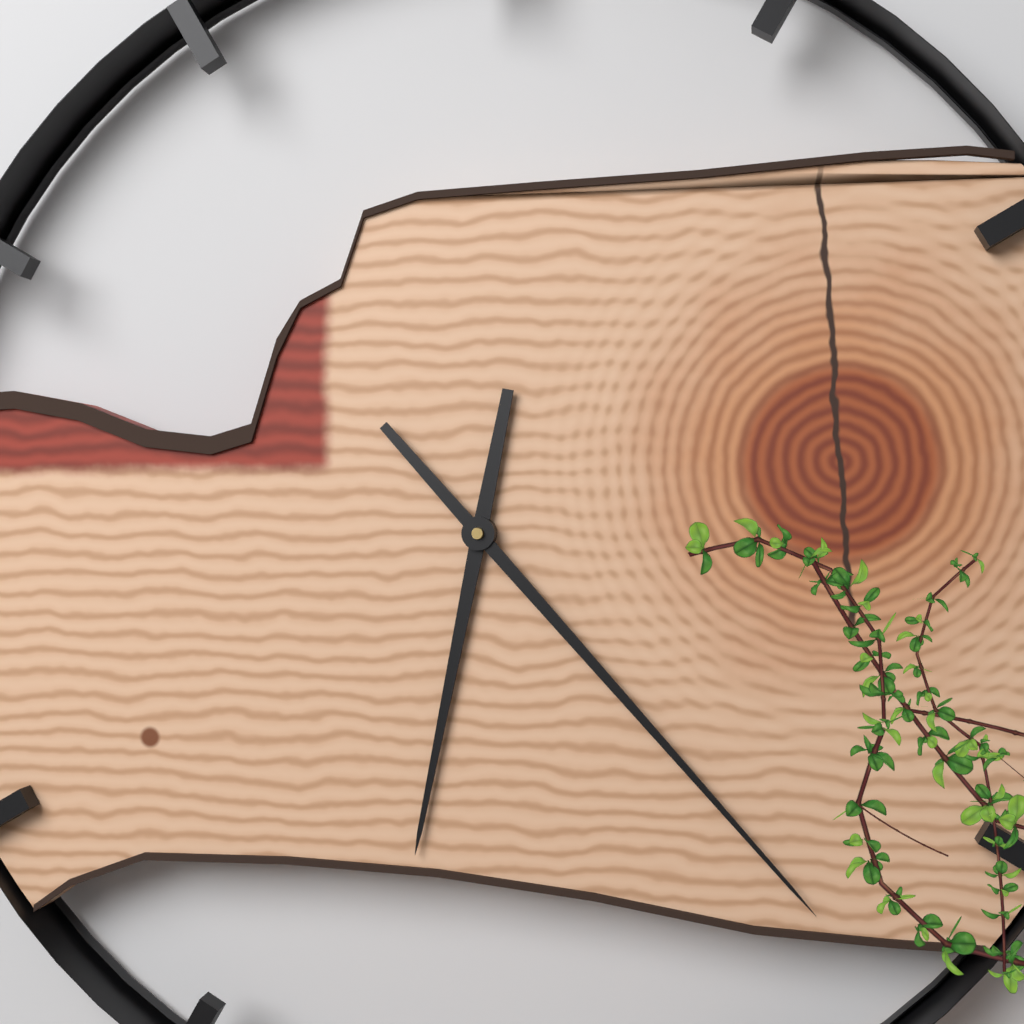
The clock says {"hour": 6, "minute": 23}
